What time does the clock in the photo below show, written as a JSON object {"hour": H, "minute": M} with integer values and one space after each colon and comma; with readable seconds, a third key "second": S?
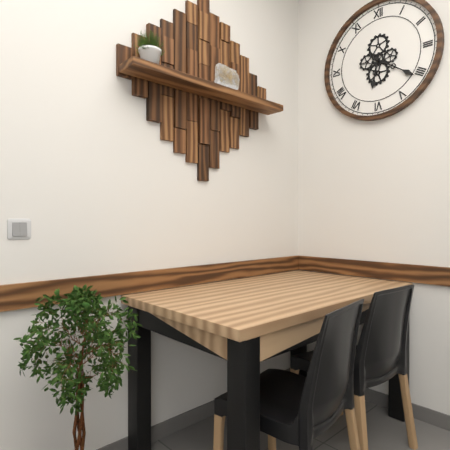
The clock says {"hour": 6, "minute": 21}
